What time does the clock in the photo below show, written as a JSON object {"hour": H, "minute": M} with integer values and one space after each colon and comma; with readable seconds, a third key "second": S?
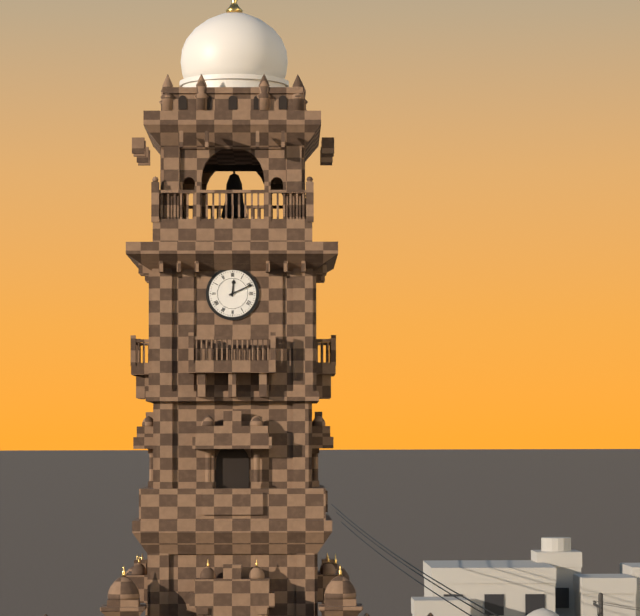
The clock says {"hour": 12, "minute": 11}
